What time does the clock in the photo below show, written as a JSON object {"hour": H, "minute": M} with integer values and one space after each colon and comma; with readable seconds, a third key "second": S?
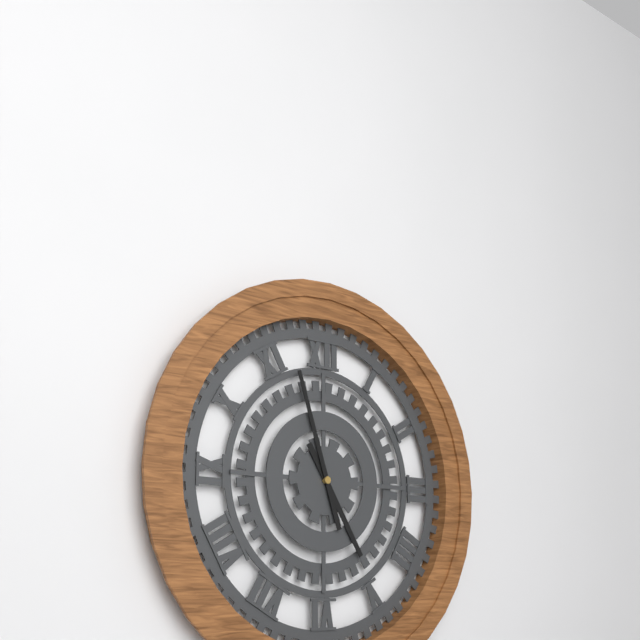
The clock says {"hour": 4, "minute": 57}
